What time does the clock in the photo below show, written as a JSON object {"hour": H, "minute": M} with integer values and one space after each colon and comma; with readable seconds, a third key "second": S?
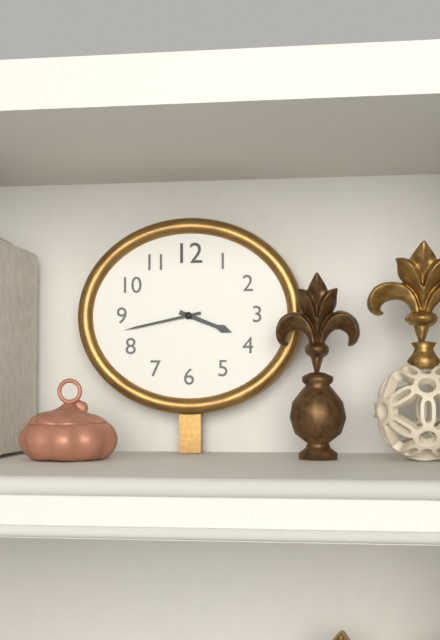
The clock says {"hour": 3, "minute": 43}
